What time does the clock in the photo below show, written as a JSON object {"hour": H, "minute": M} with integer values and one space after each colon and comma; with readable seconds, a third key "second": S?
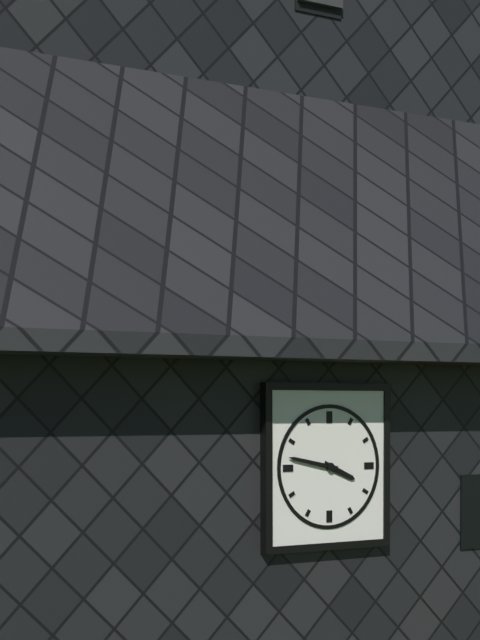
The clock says {"hour": 3, "minute": 47}
